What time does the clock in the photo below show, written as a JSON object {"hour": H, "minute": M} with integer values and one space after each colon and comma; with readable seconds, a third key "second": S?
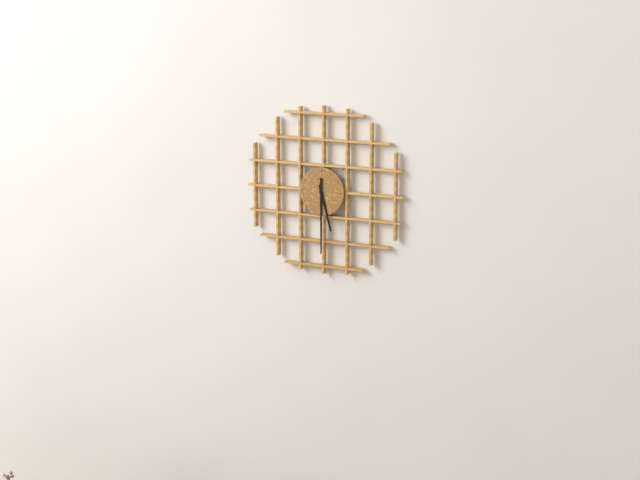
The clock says {"hour": 5, "minute": 30}
